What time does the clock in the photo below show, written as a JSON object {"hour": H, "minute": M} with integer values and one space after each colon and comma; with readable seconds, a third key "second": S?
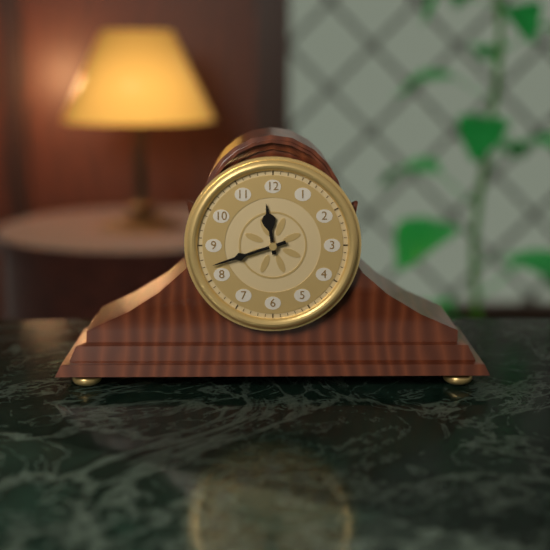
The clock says {"hour": 11, "minute": 42}
